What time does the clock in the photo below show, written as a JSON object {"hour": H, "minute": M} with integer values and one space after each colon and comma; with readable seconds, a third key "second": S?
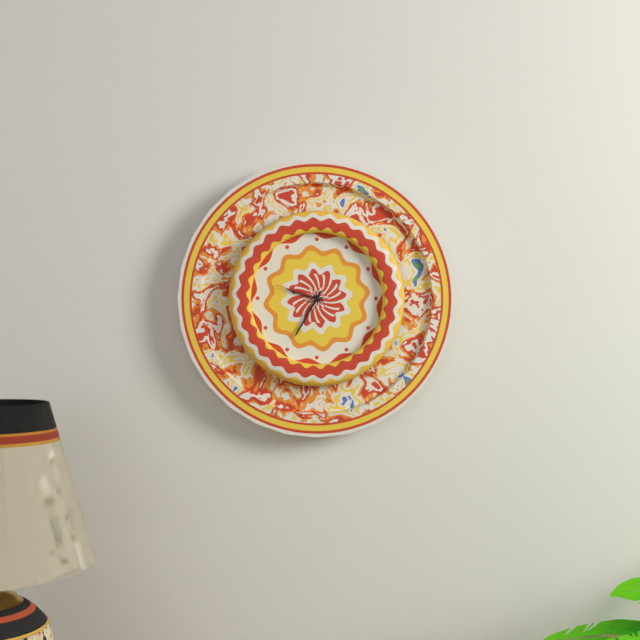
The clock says {"hour": 9, "minute": 35, "second": 48}
